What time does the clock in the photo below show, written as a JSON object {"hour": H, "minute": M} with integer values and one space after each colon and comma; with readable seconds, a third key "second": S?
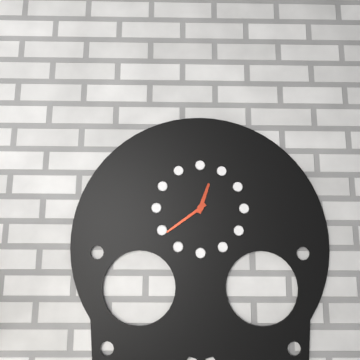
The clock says {"hour": 12, "minute": 39}
